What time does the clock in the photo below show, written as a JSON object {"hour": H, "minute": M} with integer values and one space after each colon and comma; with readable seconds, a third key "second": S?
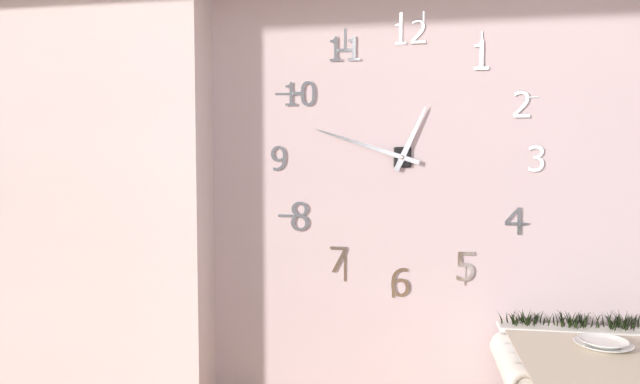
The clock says {"hour": 12, "minute": 48}
